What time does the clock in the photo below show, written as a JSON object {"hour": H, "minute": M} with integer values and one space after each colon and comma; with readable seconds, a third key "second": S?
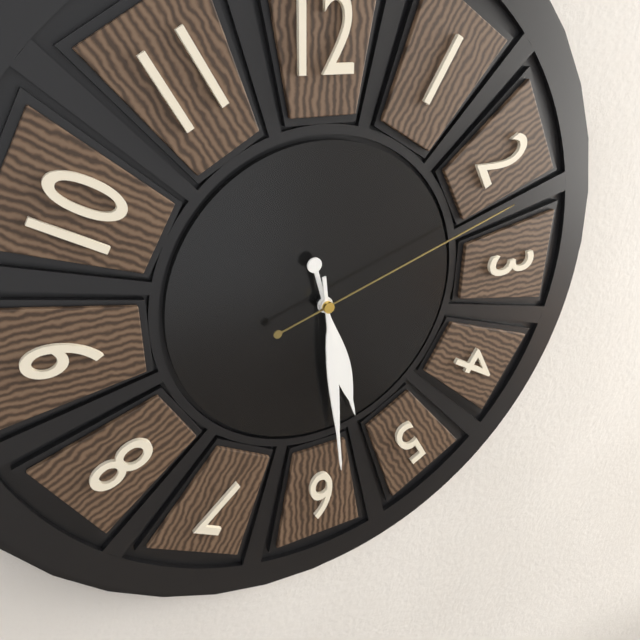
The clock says {"hour": 5, "minute": 29, "second": 12}
